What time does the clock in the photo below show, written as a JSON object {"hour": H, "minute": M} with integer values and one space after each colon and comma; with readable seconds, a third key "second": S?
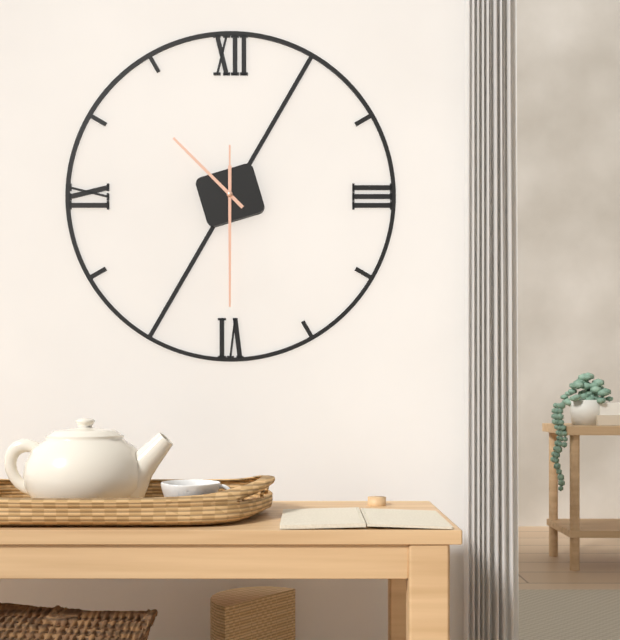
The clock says {"hour": 10, "minute": 30, "second": 30}
